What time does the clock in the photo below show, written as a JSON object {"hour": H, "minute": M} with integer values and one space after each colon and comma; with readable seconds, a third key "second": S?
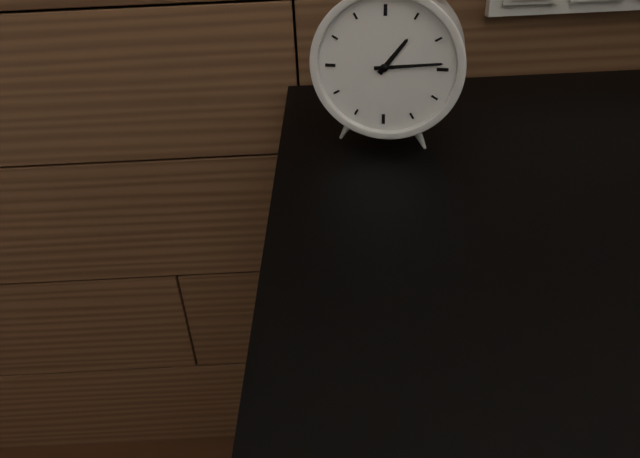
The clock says {"hour": 1, "minute": 14}
